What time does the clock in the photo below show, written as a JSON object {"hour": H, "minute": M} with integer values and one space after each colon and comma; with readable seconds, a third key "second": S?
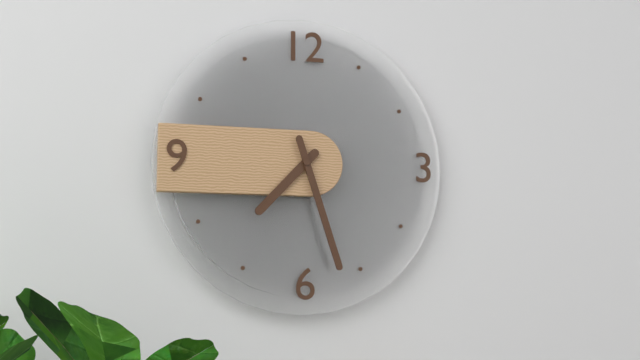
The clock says {"hour": 7, "minute": 27}
